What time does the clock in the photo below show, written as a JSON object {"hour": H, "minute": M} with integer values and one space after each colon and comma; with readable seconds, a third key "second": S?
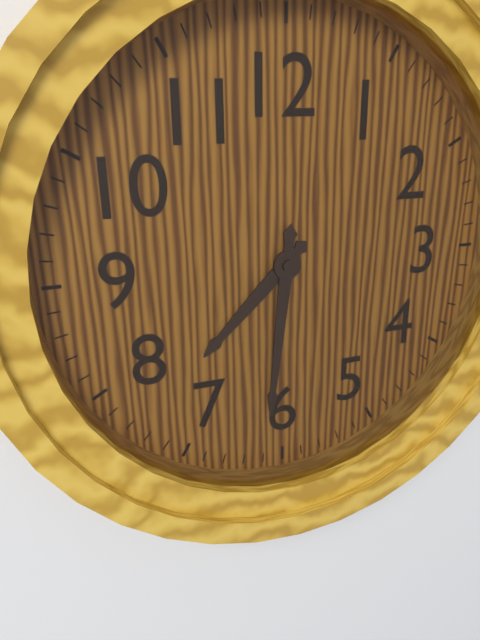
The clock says {"hour": 7, "minute": 31}
